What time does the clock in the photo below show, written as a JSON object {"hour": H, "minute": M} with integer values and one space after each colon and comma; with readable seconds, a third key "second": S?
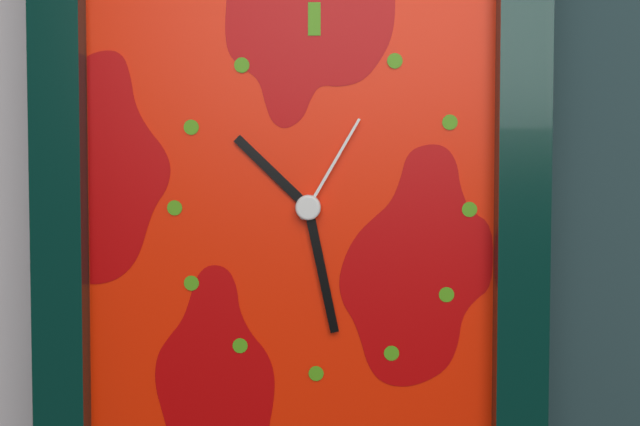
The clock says {"hour": 10, "minute": 28, "second": 5}
